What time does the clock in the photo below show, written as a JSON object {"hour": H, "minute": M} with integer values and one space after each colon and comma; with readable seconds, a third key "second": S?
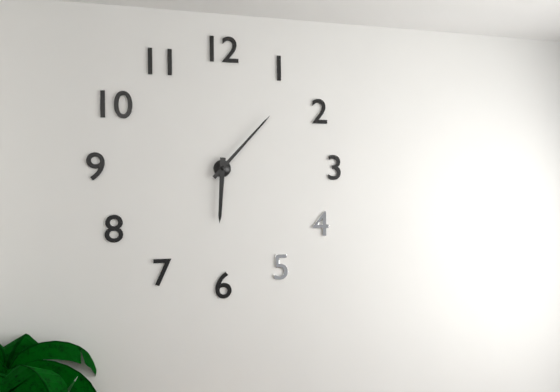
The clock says {"hour": 6, "minute": 7}
